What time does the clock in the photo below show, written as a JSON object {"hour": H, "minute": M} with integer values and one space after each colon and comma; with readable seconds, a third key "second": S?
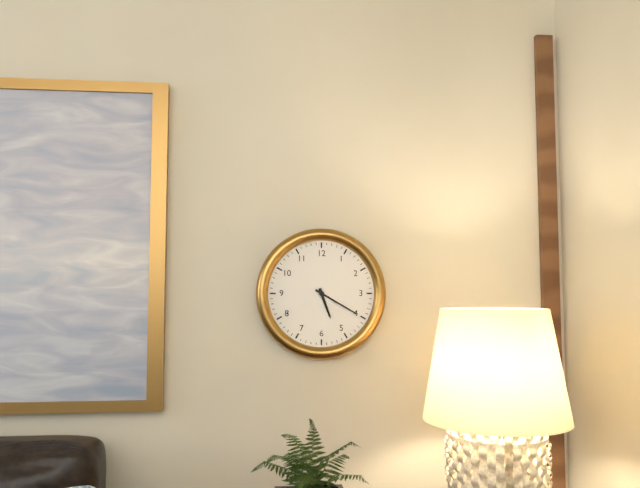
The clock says {"hour": 5, "minute": 20}
